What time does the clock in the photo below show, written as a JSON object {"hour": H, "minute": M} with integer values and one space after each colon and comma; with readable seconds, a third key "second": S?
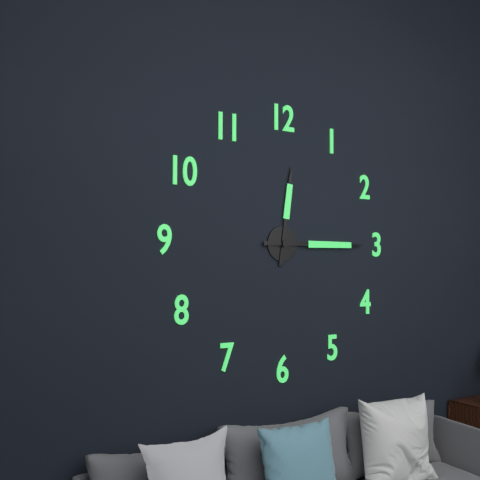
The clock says {"hour": 12, "minute": 15}
